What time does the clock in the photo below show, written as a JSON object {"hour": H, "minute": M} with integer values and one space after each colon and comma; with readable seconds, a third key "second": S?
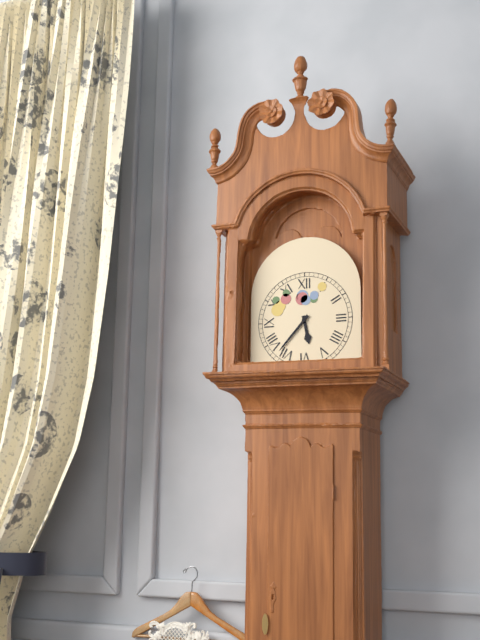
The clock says {"hour": 5, "minute": 37}
